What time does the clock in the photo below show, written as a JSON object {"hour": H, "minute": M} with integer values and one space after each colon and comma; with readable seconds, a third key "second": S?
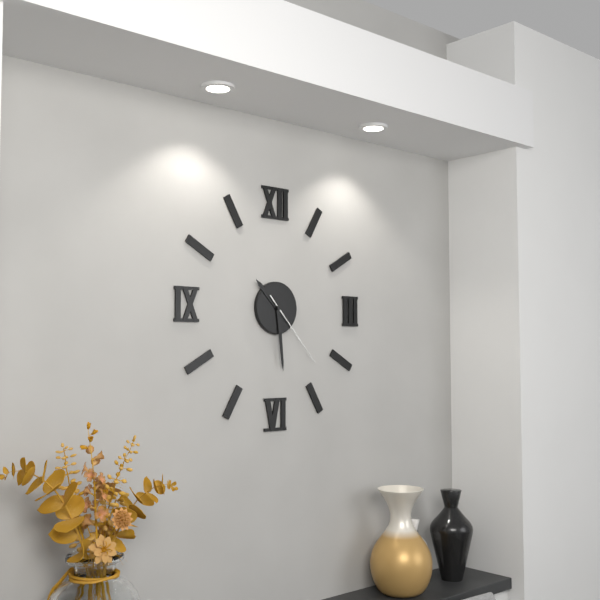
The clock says {"hour": 10, "minute": 29, "second": 23}
